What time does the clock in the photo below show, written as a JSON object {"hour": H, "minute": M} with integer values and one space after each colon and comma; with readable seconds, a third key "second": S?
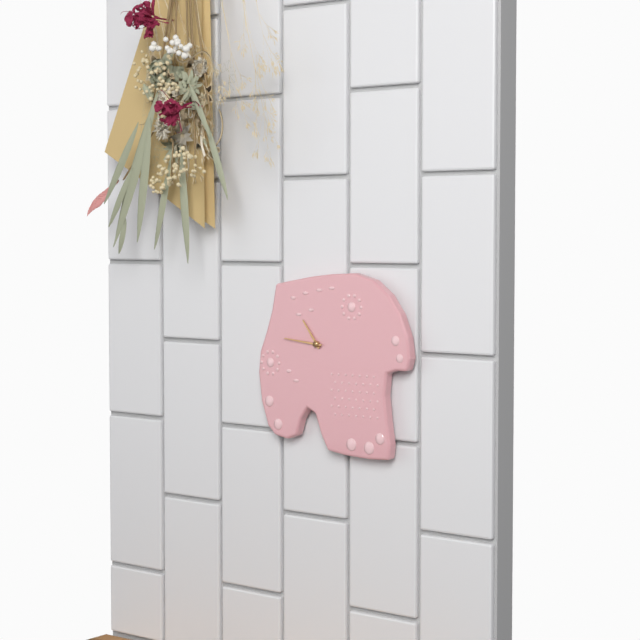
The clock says {"hour": 10, "minute": 46}
